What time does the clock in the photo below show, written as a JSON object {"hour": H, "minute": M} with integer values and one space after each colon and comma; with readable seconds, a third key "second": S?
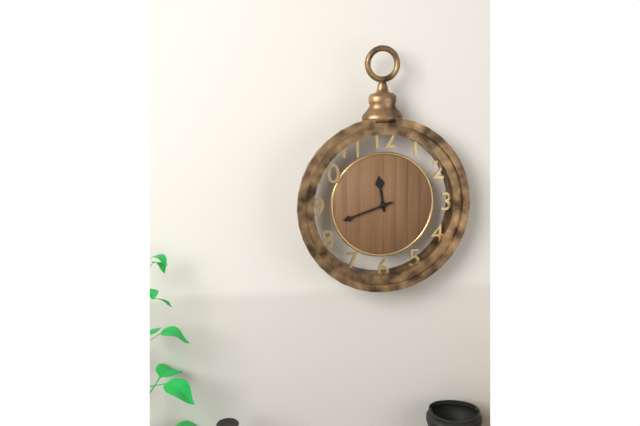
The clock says {"hour": 11, "minute": 42}
